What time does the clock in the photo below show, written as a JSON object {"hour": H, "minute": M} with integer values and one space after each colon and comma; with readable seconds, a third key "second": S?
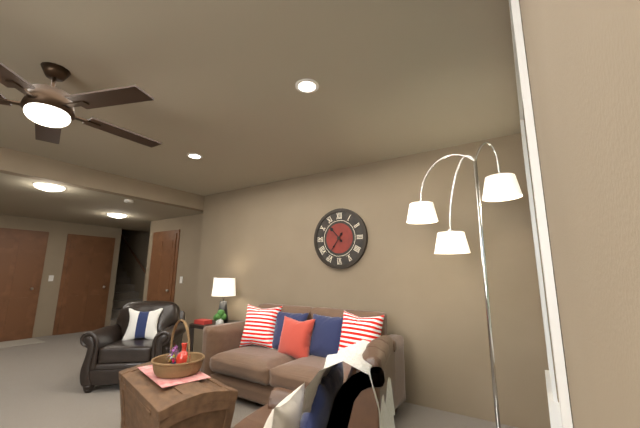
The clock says {"hour": 10, "minute": 36}
